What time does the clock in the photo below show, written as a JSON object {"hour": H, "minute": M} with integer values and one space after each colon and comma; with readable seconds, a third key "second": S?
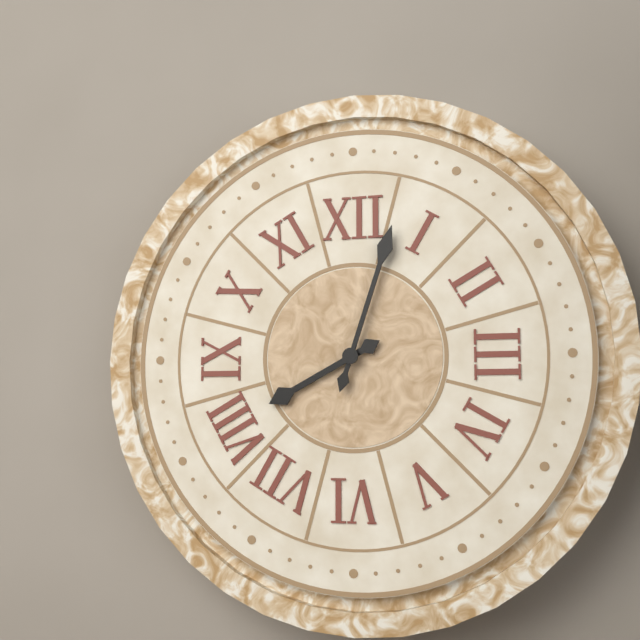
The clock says {"hour": 8, "minute": 3}
